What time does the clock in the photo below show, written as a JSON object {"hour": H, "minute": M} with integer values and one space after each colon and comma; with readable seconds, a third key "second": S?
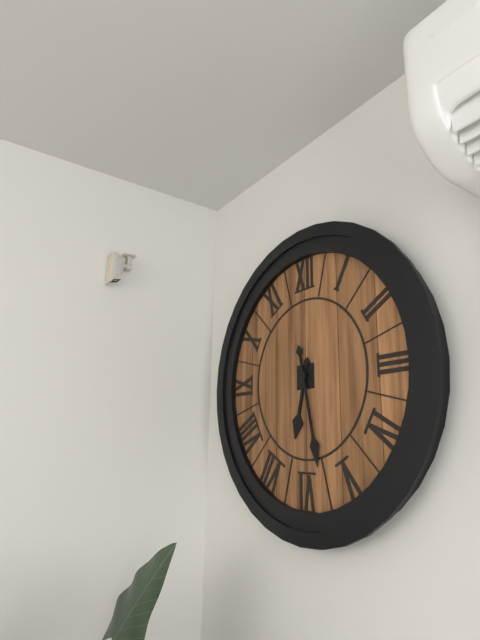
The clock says {"hour": 6, "minute": 28}
